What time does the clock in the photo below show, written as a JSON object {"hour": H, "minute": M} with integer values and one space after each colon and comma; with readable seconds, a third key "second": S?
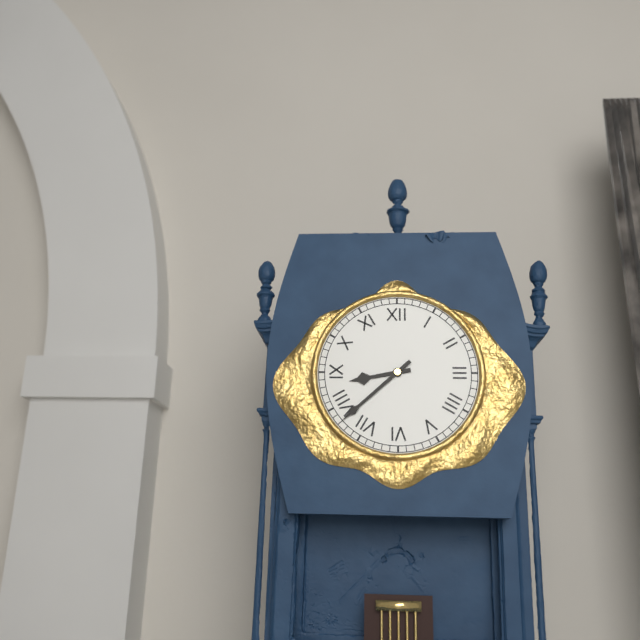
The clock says {"hour": 8, "minute": 38}
